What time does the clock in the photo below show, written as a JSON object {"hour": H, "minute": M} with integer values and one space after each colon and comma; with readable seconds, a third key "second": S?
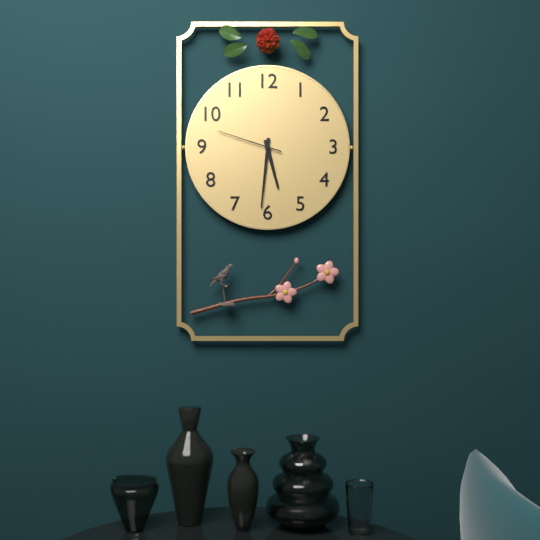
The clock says {"hour": 5, "minute": 31, "second": 48}
